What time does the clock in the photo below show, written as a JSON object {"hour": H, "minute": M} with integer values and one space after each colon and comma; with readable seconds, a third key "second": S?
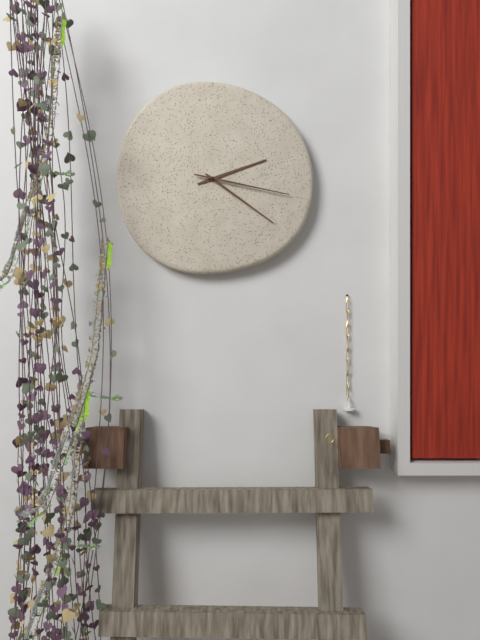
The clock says {"hour": 2, "minute": 21, "second": 17}
